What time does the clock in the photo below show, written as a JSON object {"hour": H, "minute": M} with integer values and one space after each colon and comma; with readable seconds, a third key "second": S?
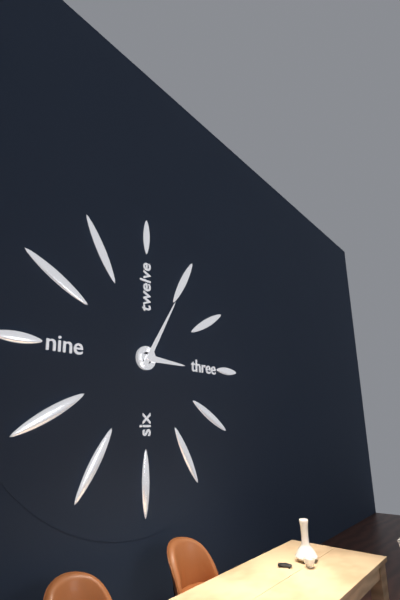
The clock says {"hour": 3, "minute": 5}
